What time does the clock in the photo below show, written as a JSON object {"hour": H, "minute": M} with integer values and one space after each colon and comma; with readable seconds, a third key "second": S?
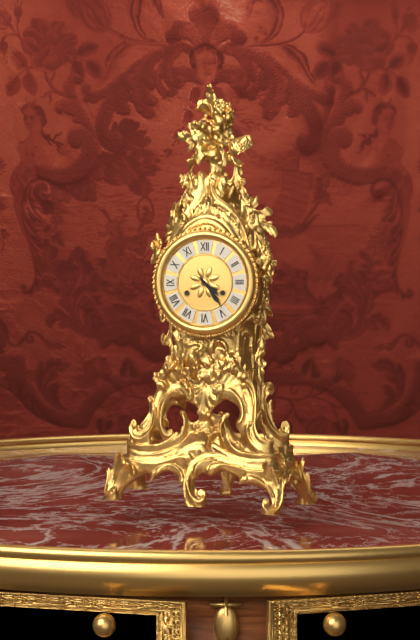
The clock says {"hour": 4, "minute": 24}
